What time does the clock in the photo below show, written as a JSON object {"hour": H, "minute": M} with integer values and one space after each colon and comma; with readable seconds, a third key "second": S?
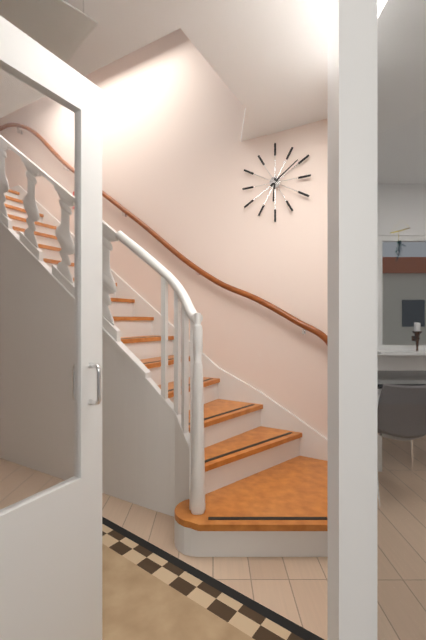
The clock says {"hour": 6, "minute": 9}
